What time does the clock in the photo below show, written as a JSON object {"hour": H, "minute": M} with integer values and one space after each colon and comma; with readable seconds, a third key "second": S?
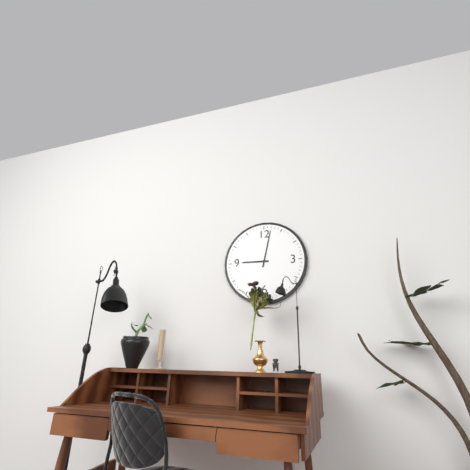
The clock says {"hour": 9, "minute": 2}
